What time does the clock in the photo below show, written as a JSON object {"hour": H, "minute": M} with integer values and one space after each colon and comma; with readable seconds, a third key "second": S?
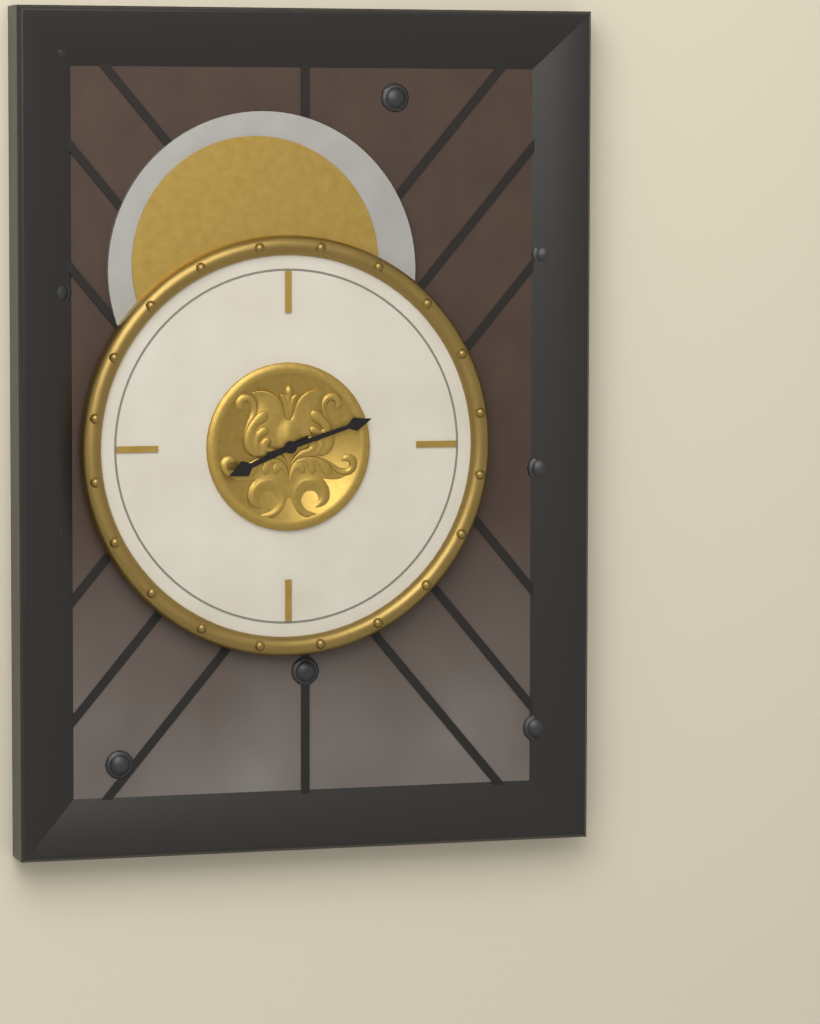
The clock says {"hour": 8, "minute": 12}
